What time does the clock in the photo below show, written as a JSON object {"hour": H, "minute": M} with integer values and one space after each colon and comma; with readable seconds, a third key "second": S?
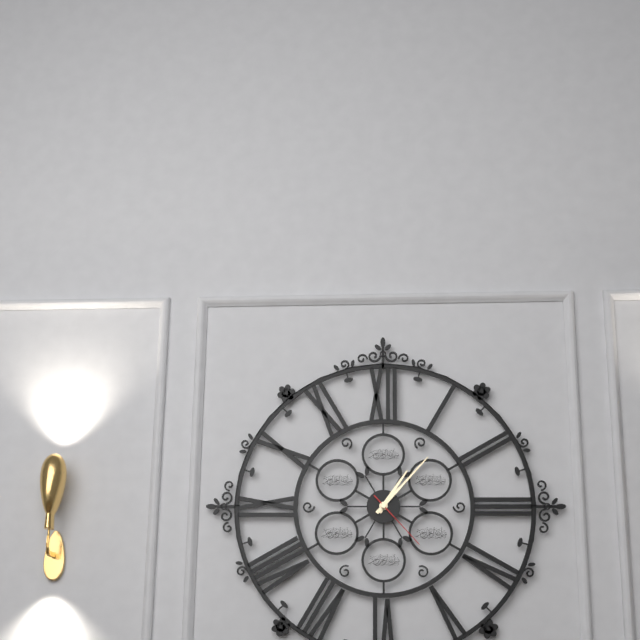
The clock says {"hour": 1, "minute": 7, "second": 23}
